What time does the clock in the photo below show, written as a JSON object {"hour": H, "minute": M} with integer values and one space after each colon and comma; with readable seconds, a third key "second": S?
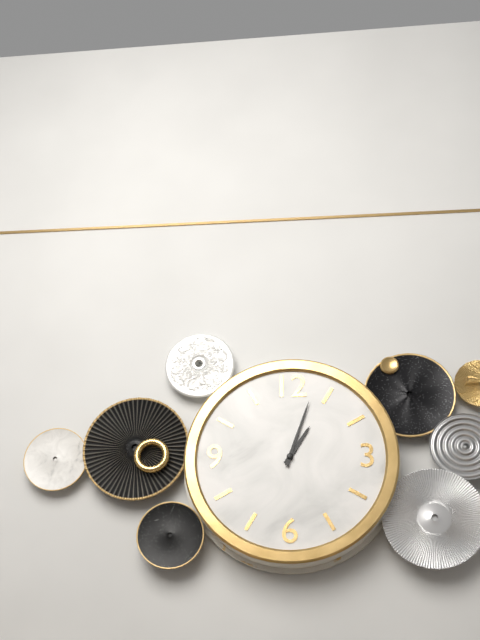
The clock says {"hour": 1, "minute": 3}
